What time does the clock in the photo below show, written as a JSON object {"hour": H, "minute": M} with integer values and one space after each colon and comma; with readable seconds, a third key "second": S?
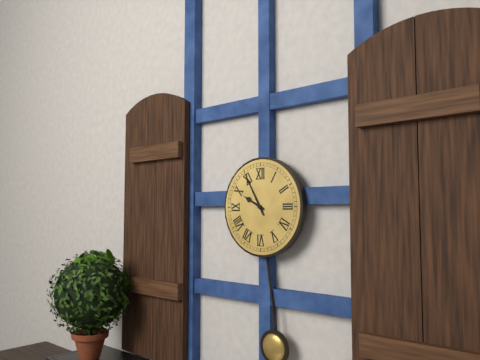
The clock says {"hour": 9, "minute": 55}
